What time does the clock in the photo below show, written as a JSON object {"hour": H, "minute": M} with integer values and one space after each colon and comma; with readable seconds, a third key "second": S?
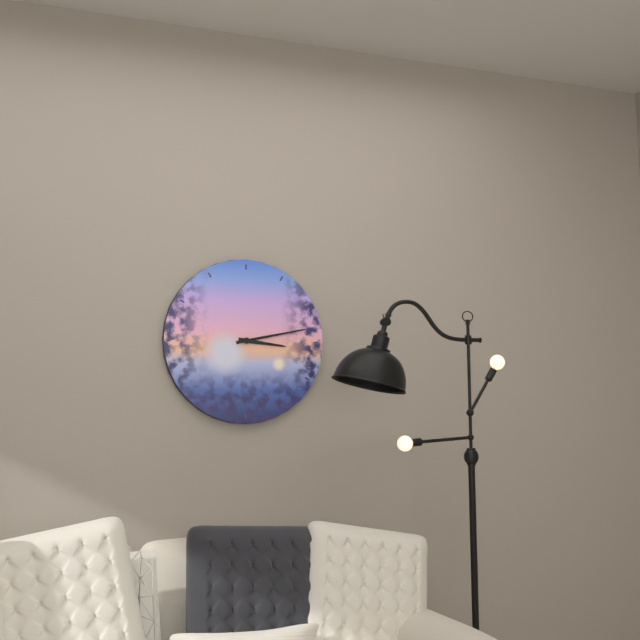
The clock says {"hour": 3, "minute": 13}
